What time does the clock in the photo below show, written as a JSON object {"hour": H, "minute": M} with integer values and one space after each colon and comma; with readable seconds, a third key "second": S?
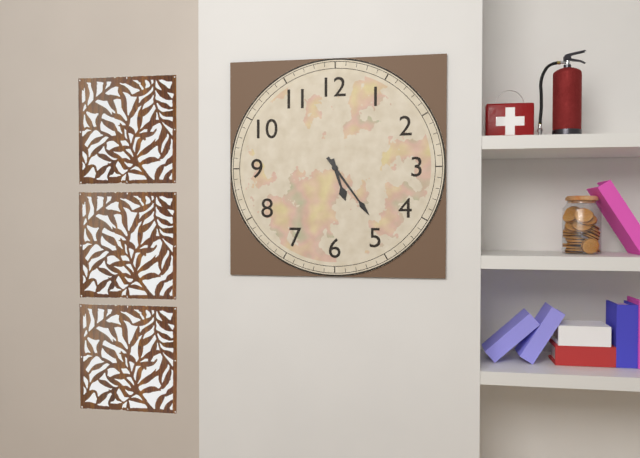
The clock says {"hour": 5, "minute": 24}
